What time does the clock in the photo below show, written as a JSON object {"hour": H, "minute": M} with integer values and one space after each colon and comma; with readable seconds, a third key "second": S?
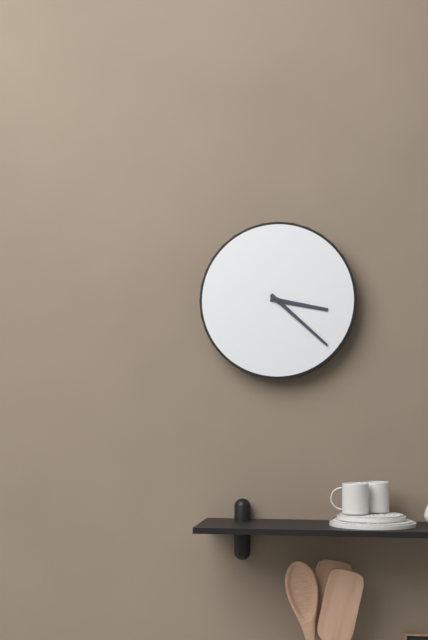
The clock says {"hour": 3, "minute": 22}
